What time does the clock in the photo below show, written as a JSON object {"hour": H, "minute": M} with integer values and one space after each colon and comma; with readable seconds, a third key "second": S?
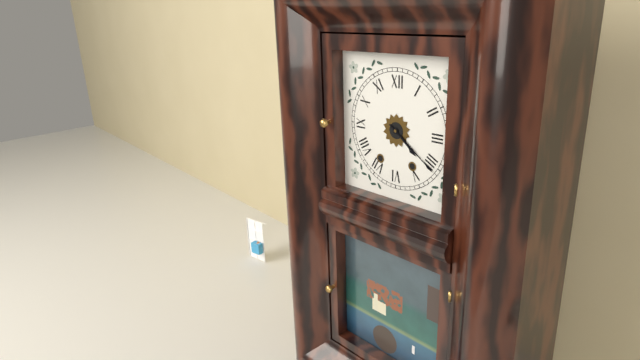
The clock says {"hour": 4, "minute": 21}
